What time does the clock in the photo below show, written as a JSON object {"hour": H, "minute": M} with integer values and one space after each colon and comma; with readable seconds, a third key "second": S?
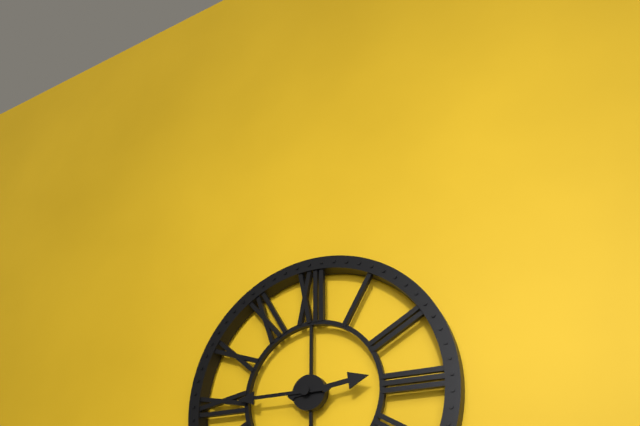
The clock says {"hour": 2, "minute": 45}
